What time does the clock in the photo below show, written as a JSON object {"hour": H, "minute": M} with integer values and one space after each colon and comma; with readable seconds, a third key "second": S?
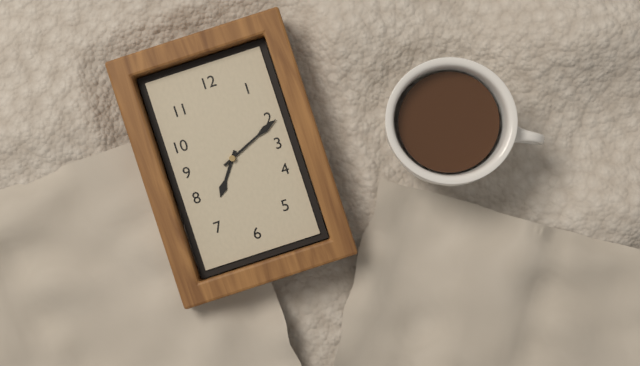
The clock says {"hour": 7, "minute": 11}
